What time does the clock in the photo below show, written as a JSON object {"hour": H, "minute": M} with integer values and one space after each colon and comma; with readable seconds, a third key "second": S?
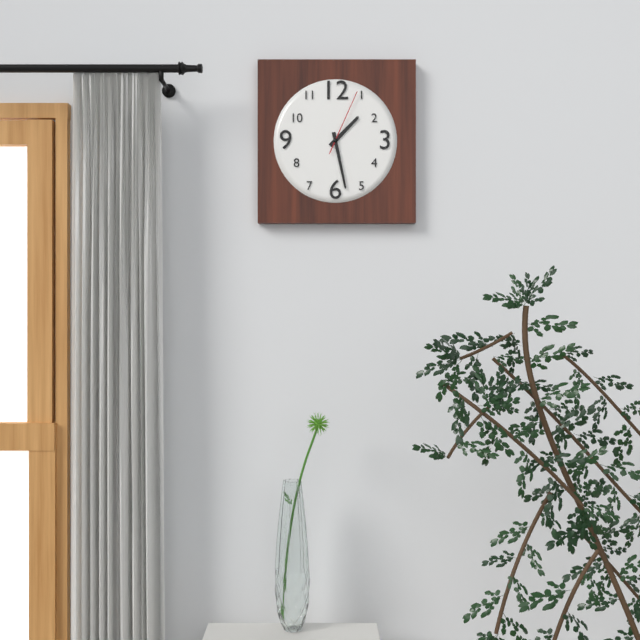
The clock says {"hour": 1, "minute": 28, "second": 4}
